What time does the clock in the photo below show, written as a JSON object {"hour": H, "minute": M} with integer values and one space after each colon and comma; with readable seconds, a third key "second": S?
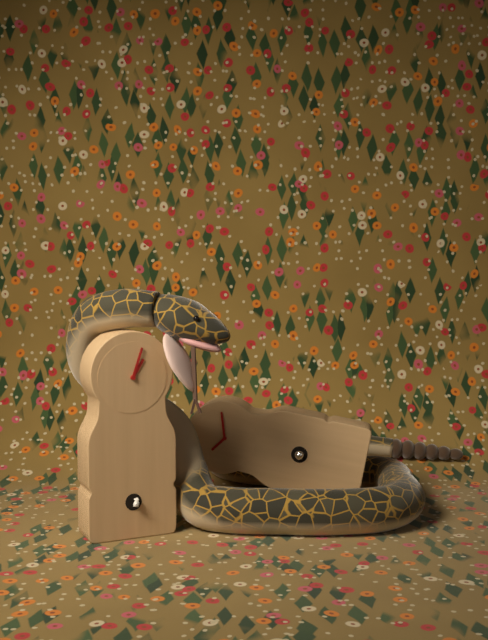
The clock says {"hour": 1, "minute": 3}
